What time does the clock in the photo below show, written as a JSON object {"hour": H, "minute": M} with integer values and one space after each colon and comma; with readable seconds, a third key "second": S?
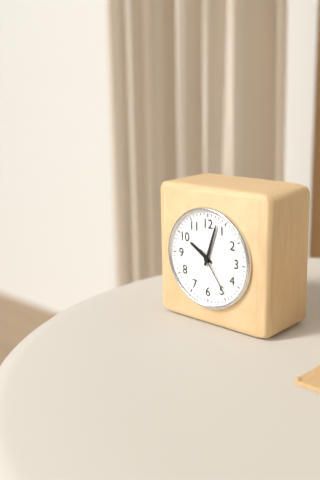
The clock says {"hour": 10, "minute": 3, "second": 24}
